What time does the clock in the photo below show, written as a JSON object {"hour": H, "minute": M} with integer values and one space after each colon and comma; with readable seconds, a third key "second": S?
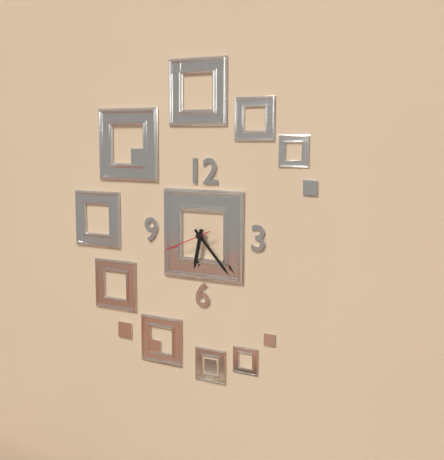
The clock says {"hour": 6, "minute": 23, "second": 41}
